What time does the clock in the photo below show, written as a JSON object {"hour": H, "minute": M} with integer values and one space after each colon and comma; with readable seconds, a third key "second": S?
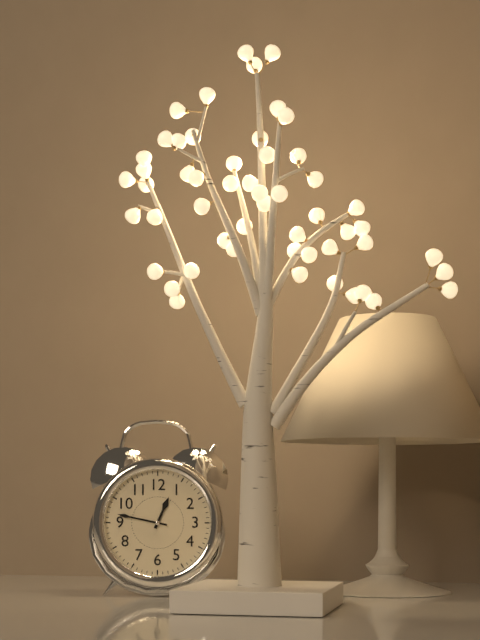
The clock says {"hour": 12, "minute": 47}
